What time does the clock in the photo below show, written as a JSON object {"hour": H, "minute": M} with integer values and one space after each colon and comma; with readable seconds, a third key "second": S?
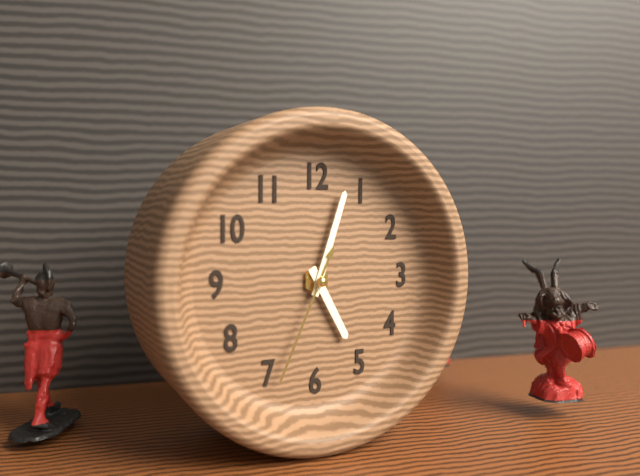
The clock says {"hour": 5, "minute": 3, "second": 34}
